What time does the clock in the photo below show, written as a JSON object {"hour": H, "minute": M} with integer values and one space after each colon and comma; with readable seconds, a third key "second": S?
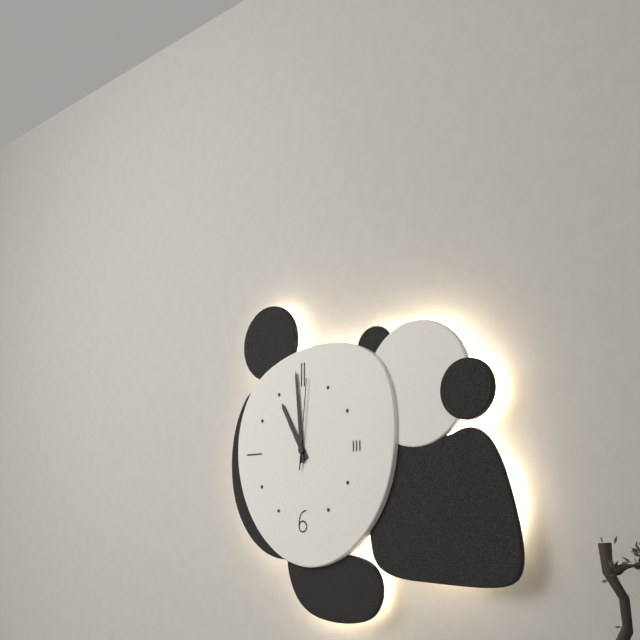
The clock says {"hour": 10, "minute": 59, "second": 1}
